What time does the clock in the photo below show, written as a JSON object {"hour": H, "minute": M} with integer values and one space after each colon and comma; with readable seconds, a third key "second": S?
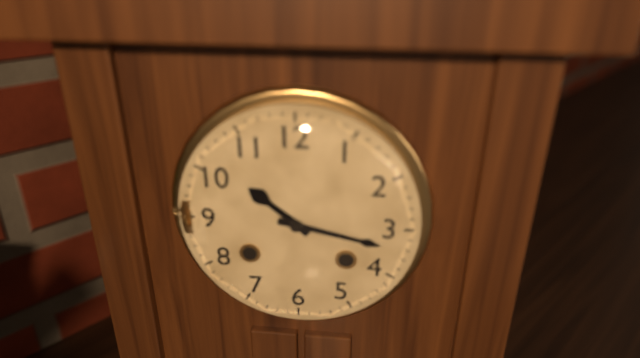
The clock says {"hour": 10, "minute": 17}
